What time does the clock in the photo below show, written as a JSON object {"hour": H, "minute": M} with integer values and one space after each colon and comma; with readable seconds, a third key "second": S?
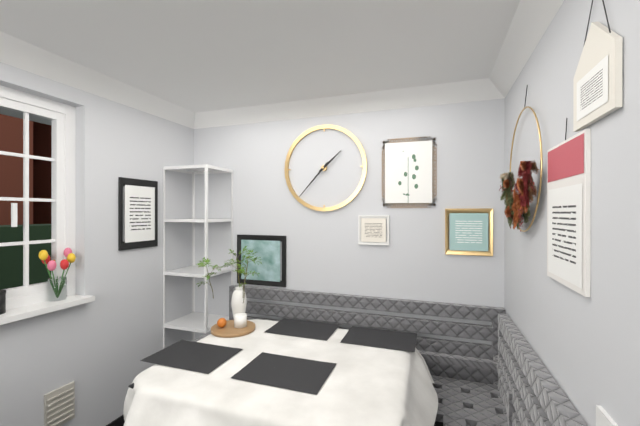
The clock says {"hour": 1, "minute": 37}
